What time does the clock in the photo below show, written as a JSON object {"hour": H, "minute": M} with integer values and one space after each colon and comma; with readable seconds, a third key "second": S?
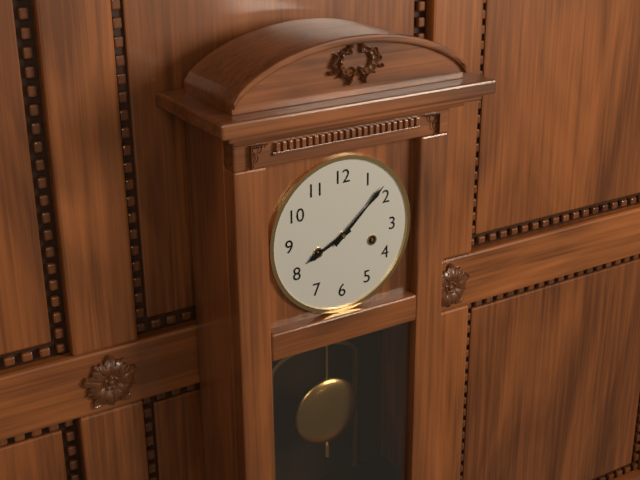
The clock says {"hour": 8, "minute": 8}
